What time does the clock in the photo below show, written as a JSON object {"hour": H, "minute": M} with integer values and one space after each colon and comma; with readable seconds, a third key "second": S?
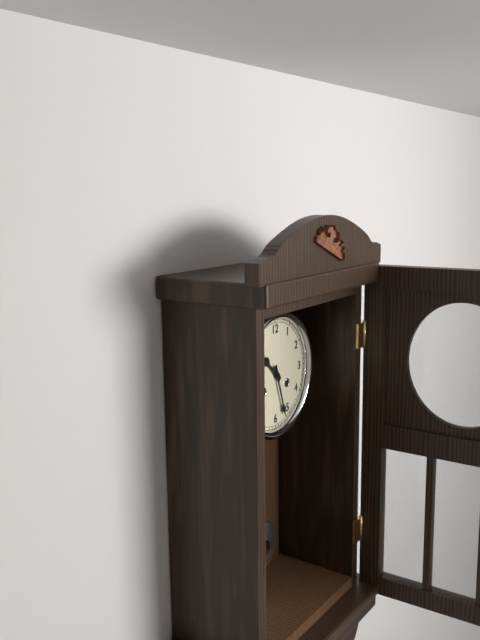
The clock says {"hour": 10, "minute": 27}
